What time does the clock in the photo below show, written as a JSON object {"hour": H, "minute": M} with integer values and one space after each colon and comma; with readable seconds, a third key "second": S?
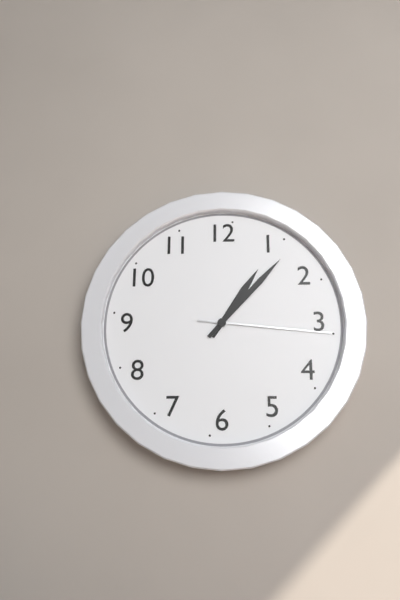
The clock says {"hour": 1, "minute": 7, "second": 16}
